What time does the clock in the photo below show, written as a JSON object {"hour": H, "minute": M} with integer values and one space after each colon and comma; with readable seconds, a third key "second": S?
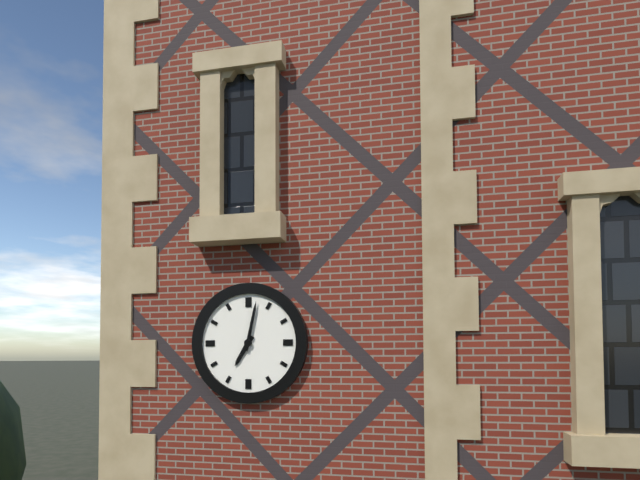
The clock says {"hour": 7, "minute": 2}
